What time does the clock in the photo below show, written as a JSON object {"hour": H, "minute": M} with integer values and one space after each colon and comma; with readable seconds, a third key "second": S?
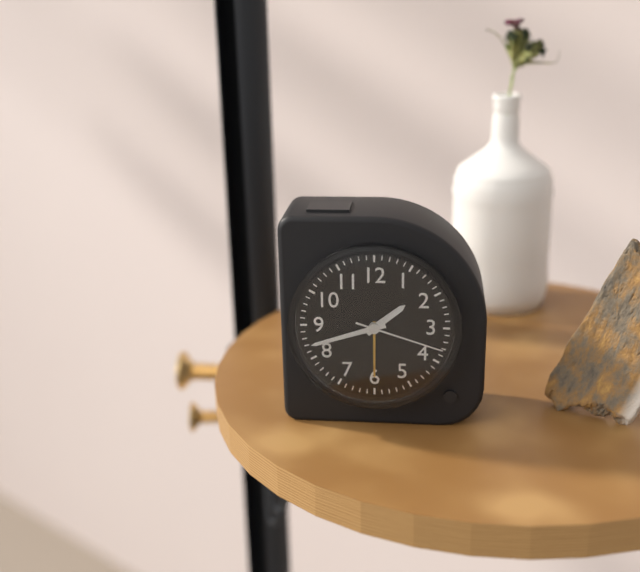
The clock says {"hour": 1, "minute": 42, "second": 18}
